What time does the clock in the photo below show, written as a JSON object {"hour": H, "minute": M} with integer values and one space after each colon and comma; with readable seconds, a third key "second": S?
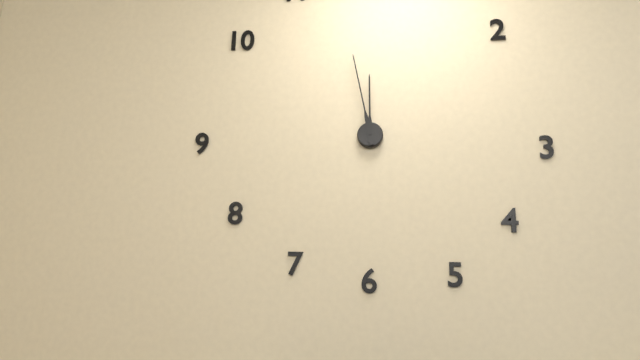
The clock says {"hour": 11, "minute": 58}
